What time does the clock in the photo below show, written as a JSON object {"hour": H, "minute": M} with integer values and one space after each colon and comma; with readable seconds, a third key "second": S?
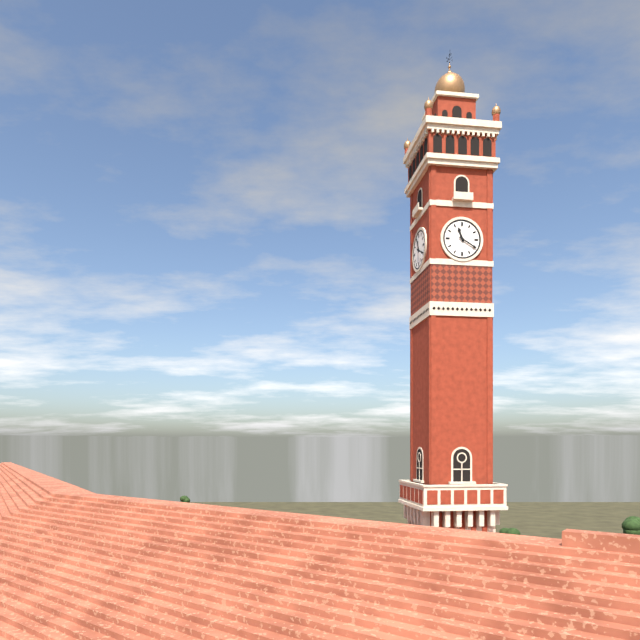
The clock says {"hour": 11, "minute": 20}
